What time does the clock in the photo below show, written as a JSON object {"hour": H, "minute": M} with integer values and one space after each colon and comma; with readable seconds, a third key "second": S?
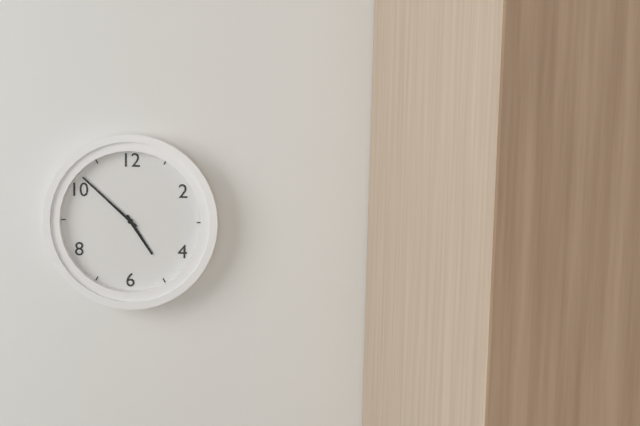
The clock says {"hour": 4, "minute": 52}
